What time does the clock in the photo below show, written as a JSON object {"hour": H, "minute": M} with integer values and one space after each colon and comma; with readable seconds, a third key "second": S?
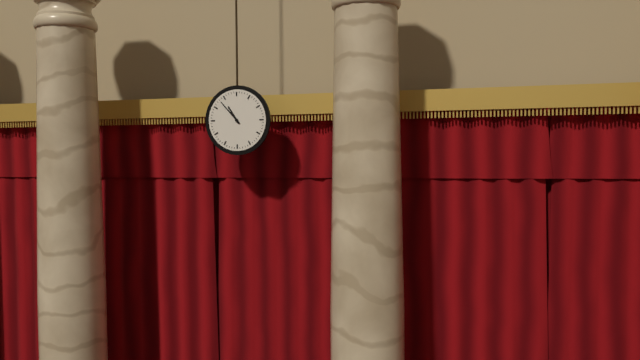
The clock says {"hour": 10, "minute": 53}
